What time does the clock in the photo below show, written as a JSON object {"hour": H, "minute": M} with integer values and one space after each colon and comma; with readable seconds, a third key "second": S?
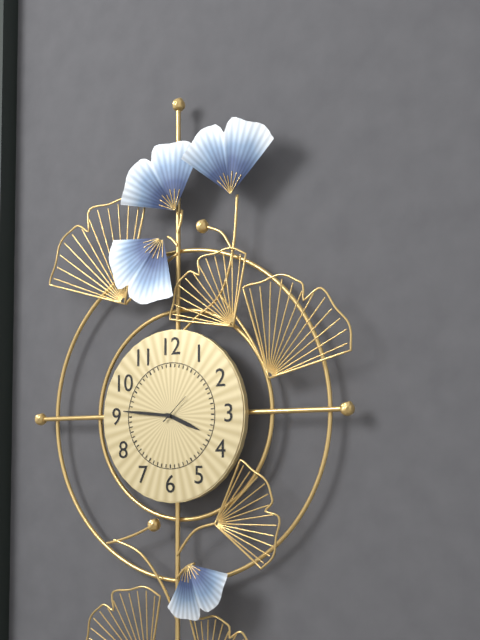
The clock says {"hour": 3, "minute": 46}
